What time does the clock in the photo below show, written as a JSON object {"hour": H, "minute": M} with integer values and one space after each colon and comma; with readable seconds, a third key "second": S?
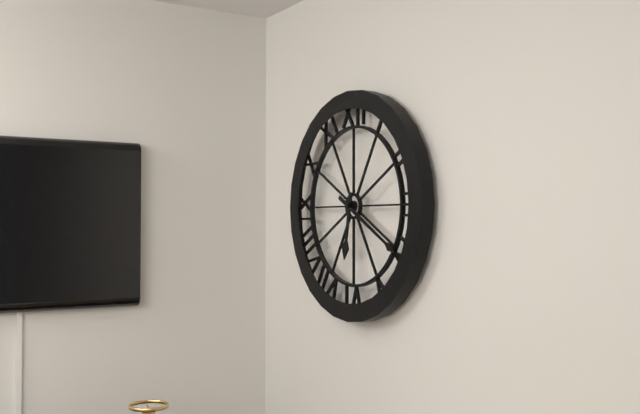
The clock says {"hour": 6, "minute": 20}
